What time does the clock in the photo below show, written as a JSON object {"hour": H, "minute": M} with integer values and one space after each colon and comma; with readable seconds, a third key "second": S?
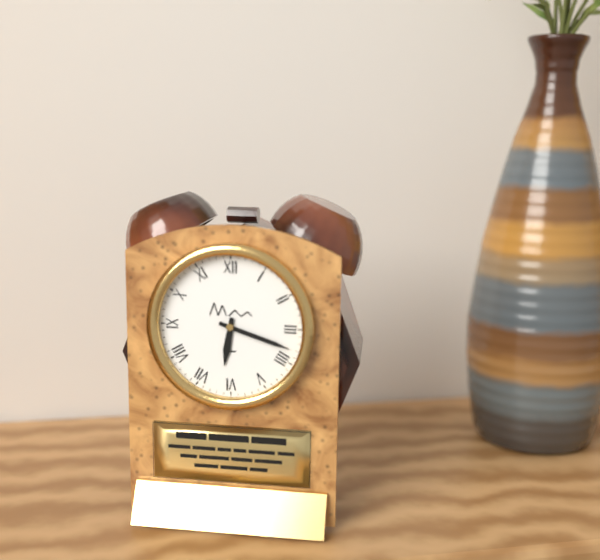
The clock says {"hour": 6, "minute": 18}
